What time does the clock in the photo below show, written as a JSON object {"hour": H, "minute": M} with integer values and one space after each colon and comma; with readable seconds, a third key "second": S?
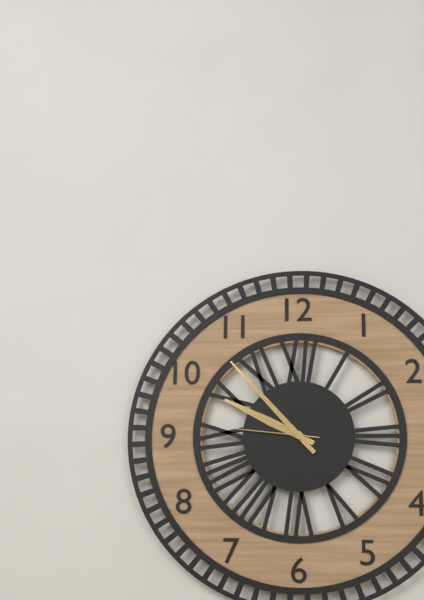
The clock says {"hour": 9, "minute": 53, "second": 46}
